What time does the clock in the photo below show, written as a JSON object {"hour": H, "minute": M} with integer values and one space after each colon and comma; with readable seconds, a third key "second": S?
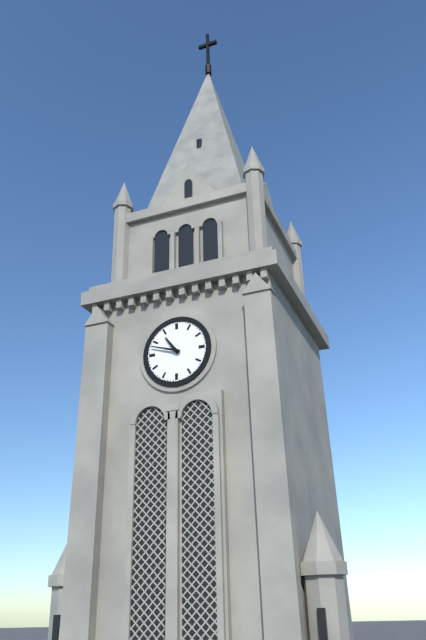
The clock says {"hour": 10, "minute": 48}
